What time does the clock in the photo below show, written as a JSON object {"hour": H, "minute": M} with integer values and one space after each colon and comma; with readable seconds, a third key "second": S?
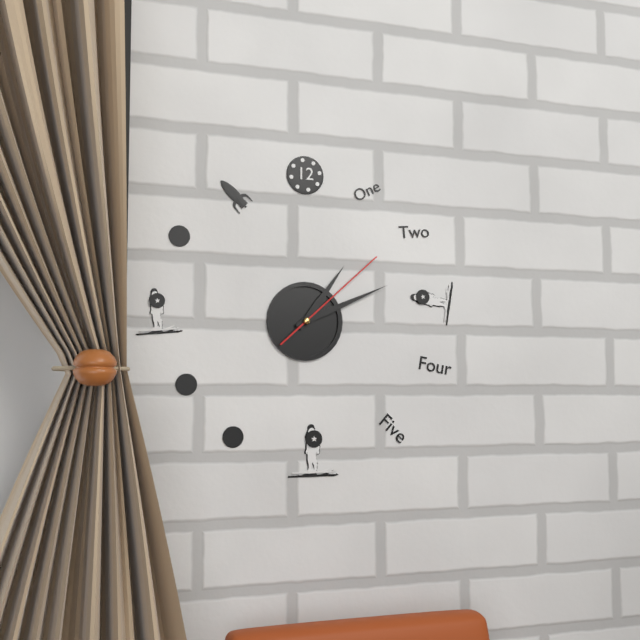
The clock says {"hour": 1, "minute": 11, "second": 8}
